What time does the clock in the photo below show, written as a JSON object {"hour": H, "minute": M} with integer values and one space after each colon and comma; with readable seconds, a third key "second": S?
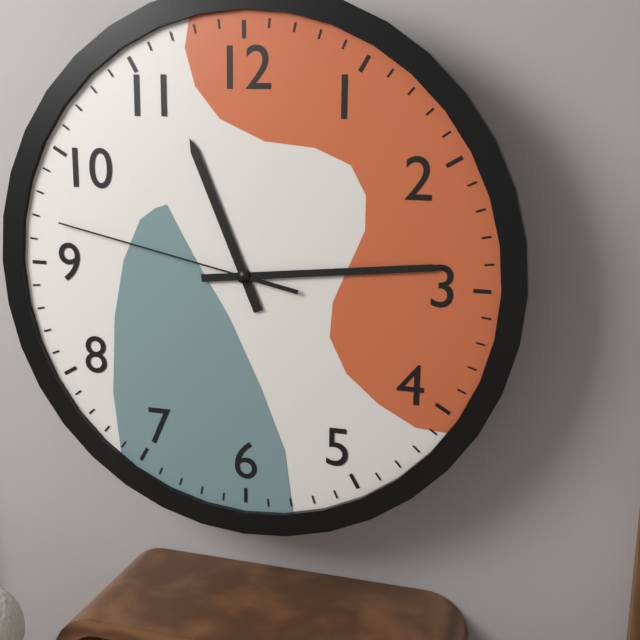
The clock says {"hour": 11, "minute": 14, "second": 47}
